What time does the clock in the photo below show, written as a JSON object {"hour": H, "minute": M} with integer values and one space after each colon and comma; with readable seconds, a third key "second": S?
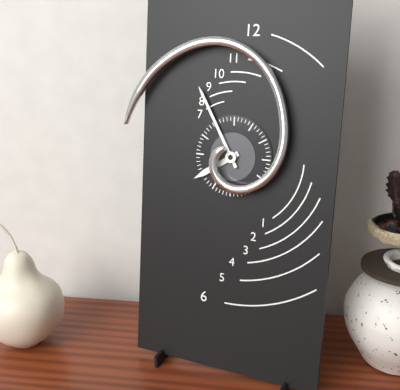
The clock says {"hour": 7, "minute": 55}
